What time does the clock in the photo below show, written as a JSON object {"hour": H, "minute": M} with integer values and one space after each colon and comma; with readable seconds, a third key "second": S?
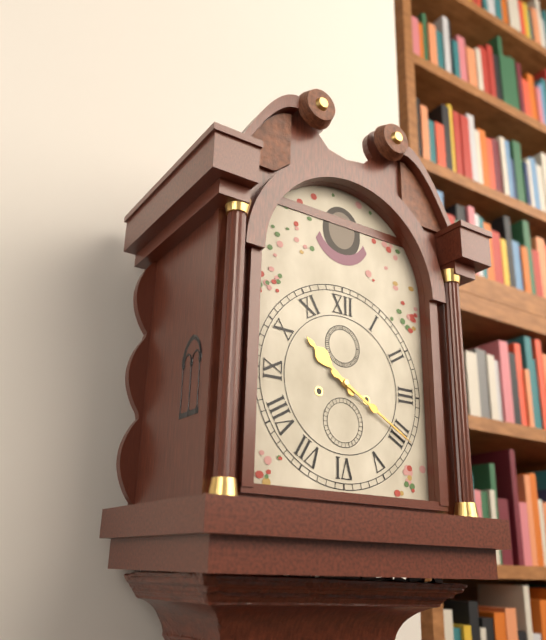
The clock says {"hour": 10, "minute": 20}
